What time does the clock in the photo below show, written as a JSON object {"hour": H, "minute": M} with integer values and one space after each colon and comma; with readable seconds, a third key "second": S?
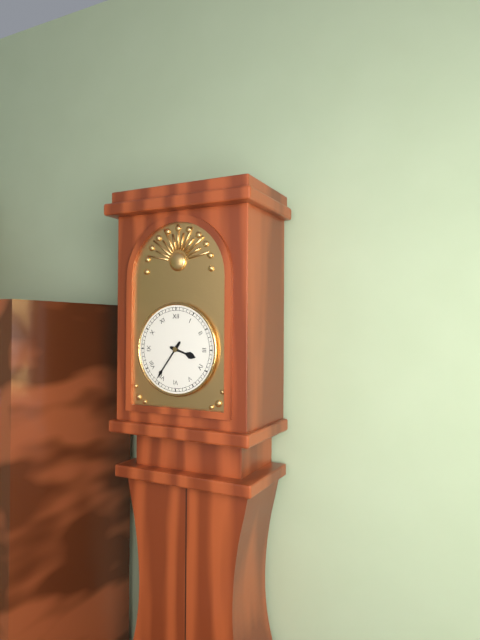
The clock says {"hour": 3, "minute": 36}
